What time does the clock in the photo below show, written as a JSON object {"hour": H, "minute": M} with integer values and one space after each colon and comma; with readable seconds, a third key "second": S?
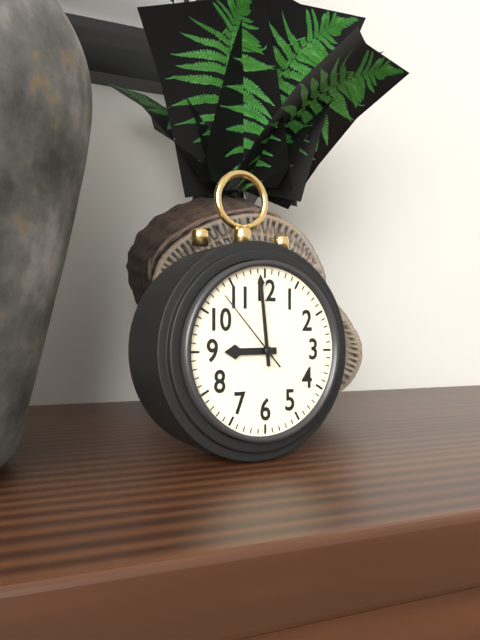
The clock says {"hour": 8, "minute": 59, "second": 53}
